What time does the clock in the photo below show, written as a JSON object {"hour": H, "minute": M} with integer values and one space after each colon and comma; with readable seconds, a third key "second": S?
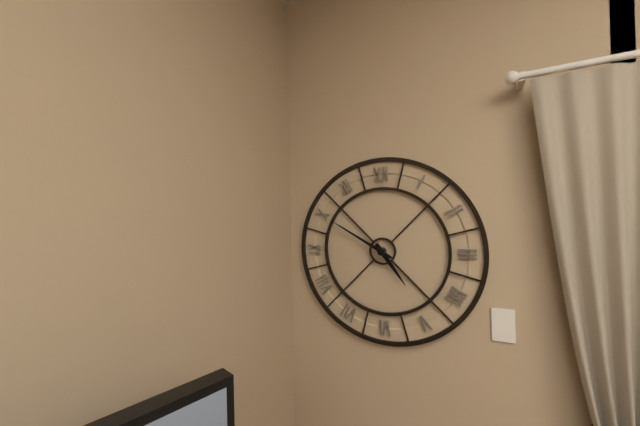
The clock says {"hour": 4, "minute": 50}
